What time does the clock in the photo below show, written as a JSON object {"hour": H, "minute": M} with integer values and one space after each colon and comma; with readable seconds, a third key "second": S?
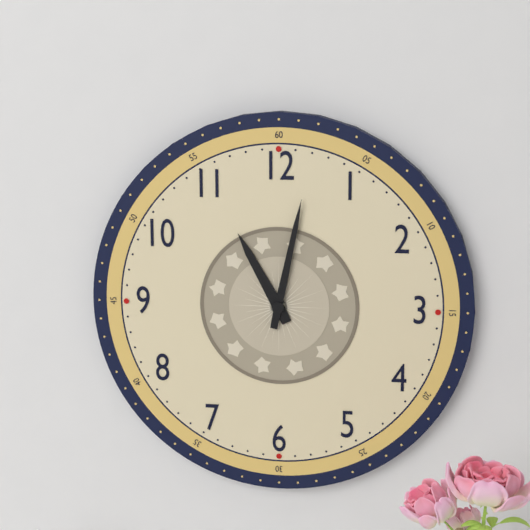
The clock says {"hour": 11, "minute": 2}
